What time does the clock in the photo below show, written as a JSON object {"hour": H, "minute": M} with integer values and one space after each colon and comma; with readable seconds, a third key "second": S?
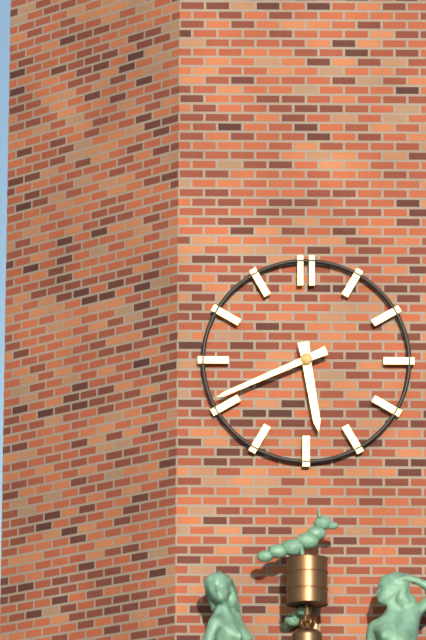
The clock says {"hour": 5, "minute": 41}
